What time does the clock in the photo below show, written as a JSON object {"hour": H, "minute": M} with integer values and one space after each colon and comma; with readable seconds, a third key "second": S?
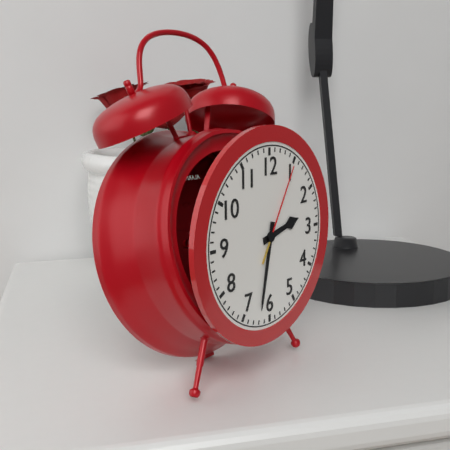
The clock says {"hour": 2, "minute": 32, "second": 5}
